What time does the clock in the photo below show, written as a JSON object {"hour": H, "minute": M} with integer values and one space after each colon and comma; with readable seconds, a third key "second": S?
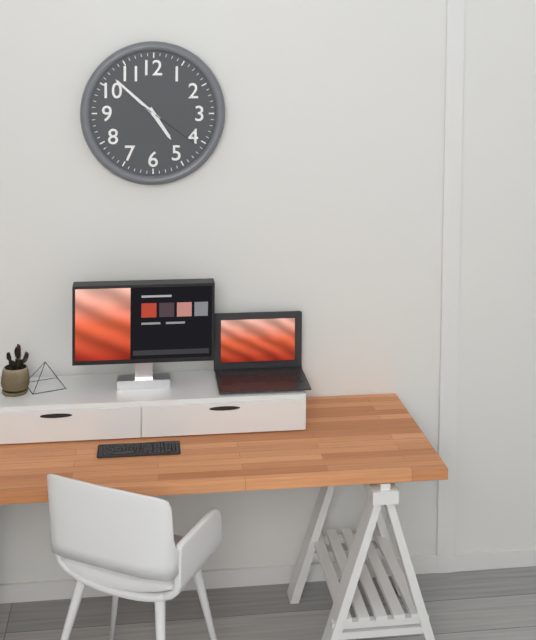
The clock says {"hour": 4, "minute": 52, "second": 21}
